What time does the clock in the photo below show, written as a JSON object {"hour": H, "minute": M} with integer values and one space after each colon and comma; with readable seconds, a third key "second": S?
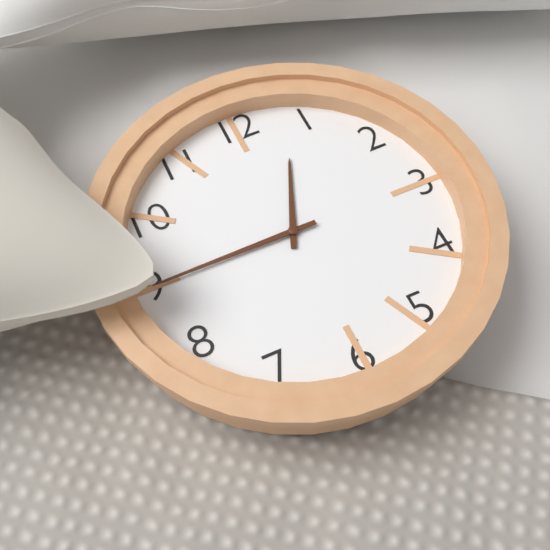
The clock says {"hour": 12, "minute": 45}
